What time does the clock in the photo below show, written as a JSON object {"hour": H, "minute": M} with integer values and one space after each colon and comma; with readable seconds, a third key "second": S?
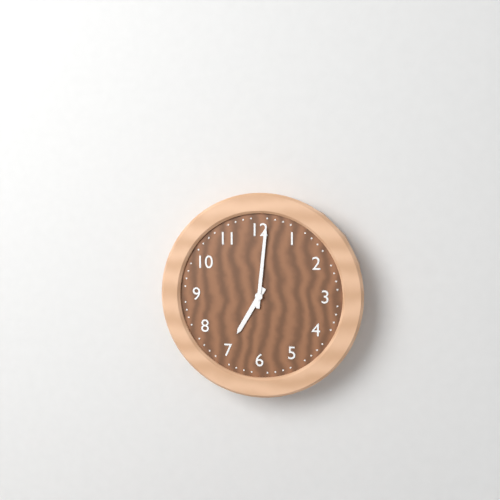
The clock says {"hour": 7, "minute": 1}
